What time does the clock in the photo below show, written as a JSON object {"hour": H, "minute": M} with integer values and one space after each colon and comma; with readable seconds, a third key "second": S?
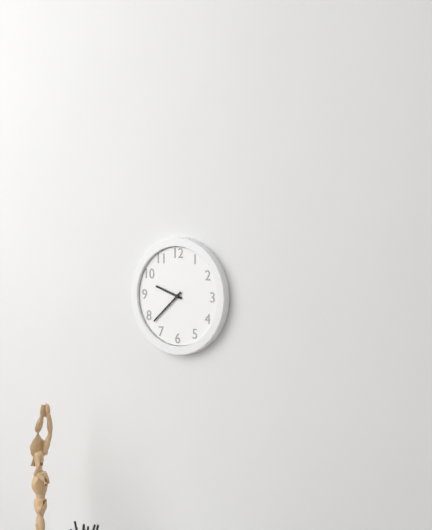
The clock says {"hour": 9, "minute": 38}
